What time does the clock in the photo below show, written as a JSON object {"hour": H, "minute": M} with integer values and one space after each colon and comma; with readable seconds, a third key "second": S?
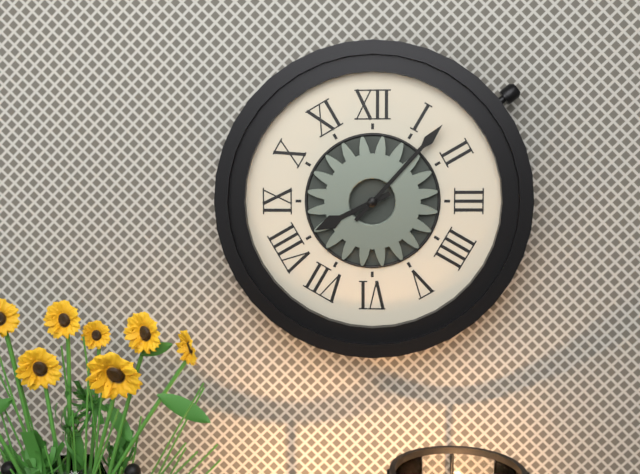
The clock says {"hour": 8, "minute": 7}
